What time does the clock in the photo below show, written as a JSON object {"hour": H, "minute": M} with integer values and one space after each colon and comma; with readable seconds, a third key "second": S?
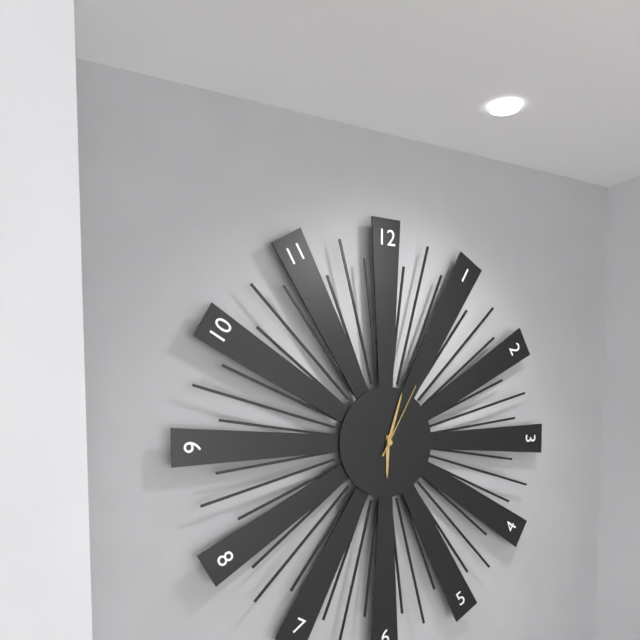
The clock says {"hour": 6, "minute": 3, "second": 5}
